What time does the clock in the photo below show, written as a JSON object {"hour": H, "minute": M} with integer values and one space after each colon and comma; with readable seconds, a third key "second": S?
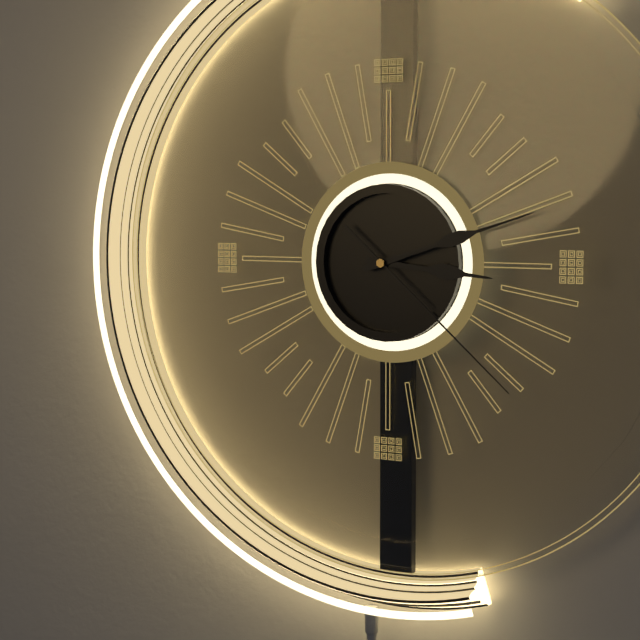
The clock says {"hour": 3, "minute": 12, "second": 22}
